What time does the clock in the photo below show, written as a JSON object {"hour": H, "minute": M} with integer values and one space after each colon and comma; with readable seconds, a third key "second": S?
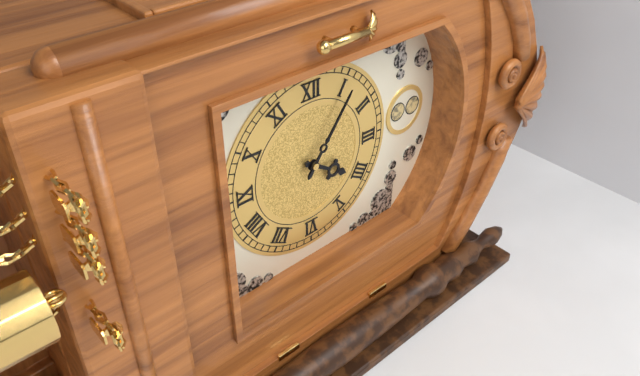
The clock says {"hour": 4, "minute": 6}
